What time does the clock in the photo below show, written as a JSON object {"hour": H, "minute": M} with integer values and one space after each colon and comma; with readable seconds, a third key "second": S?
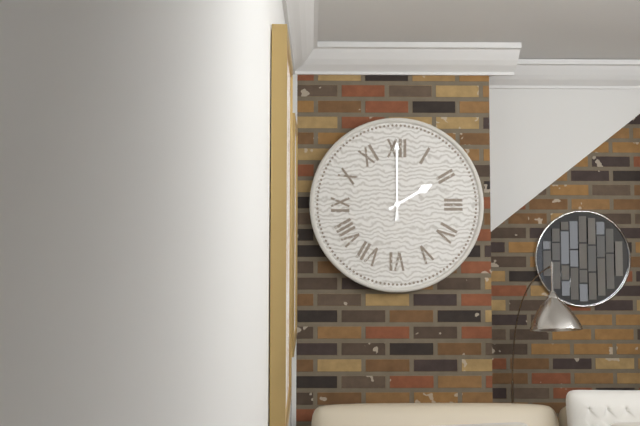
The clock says {"hour": 2, "minute": 0}
